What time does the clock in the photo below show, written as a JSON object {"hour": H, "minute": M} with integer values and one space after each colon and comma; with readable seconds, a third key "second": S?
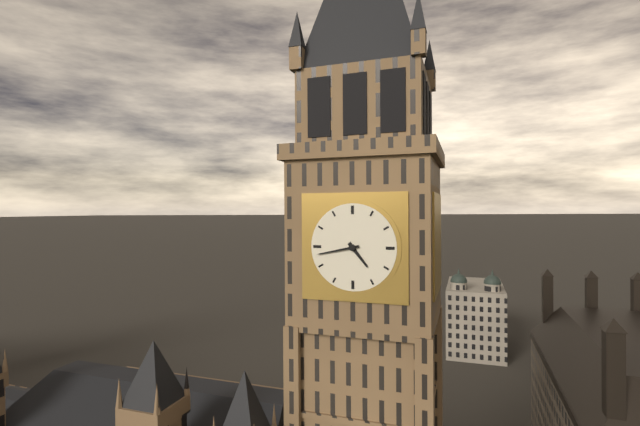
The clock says {"hour": 4, "minute": 43}
